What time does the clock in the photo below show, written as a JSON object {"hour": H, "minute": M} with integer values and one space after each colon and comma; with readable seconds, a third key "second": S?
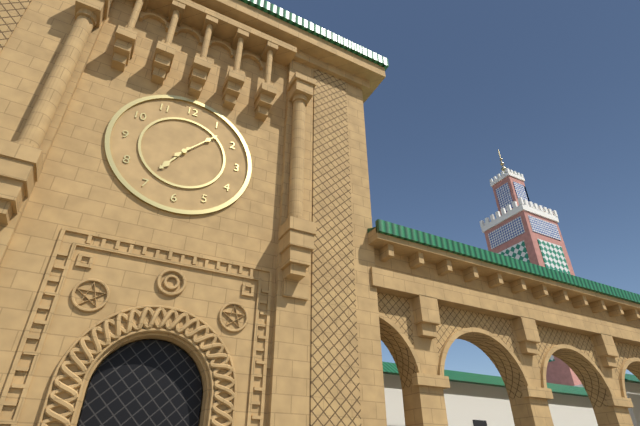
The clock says {"hour": 7, "minute": 7}
